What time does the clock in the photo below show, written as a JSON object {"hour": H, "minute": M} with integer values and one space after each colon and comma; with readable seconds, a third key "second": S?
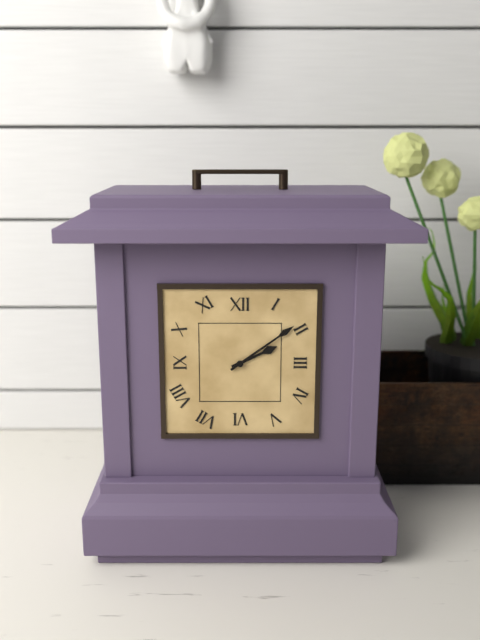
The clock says {"hour": 2, "minute": 9}
